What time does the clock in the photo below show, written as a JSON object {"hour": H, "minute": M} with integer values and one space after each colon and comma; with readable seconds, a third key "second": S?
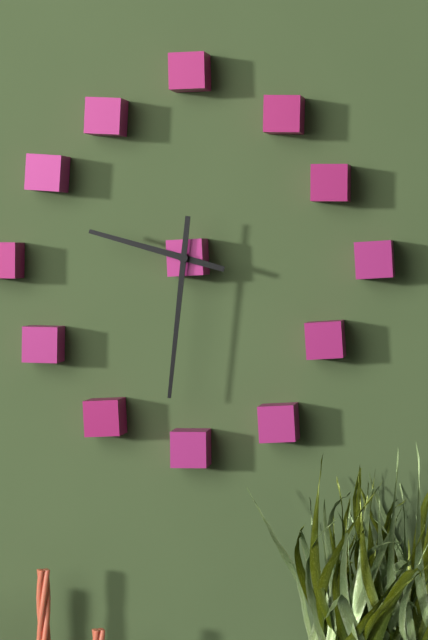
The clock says {"hour": 9, "minute": 31}
